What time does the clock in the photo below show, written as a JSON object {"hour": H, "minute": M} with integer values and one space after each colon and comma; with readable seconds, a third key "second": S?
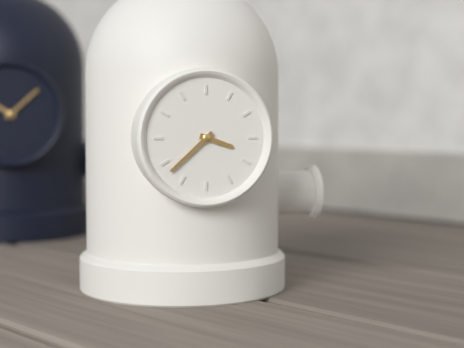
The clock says {"hour": 3, "minute": 38}
